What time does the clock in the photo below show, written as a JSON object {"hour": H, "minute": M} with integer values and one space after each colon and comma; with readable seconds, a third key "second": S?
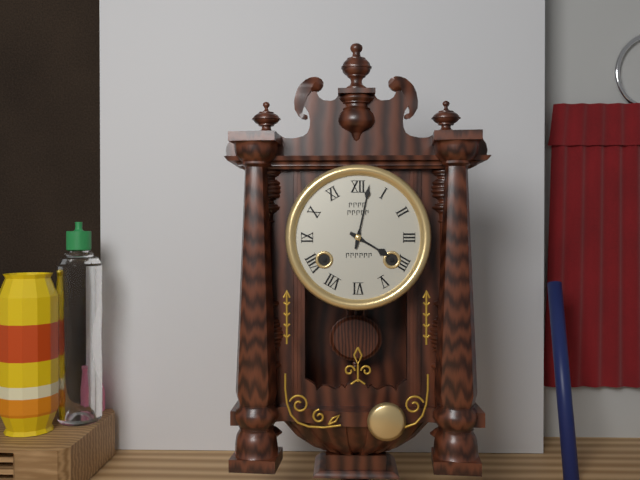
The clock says {"hour": 4, "minute": 2}
